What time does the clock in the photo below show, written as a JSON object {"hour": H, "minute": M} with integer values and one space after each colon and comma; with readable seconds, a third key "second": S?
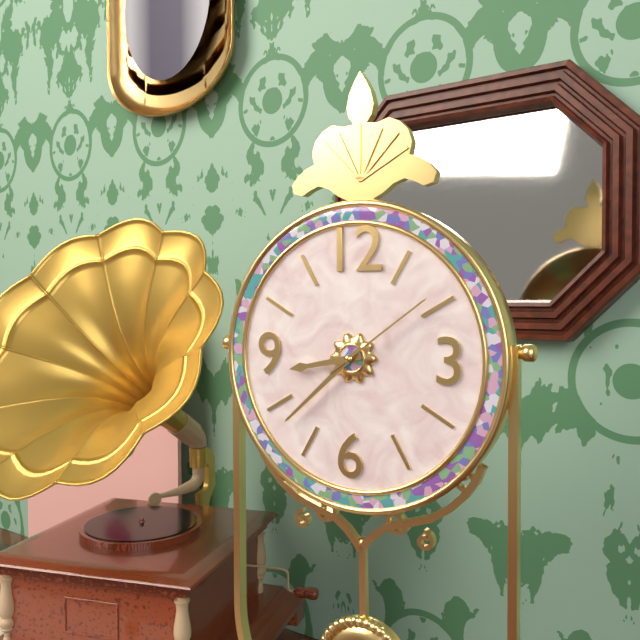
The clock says {"hour": 8, "minute": 38, "second": 9}
